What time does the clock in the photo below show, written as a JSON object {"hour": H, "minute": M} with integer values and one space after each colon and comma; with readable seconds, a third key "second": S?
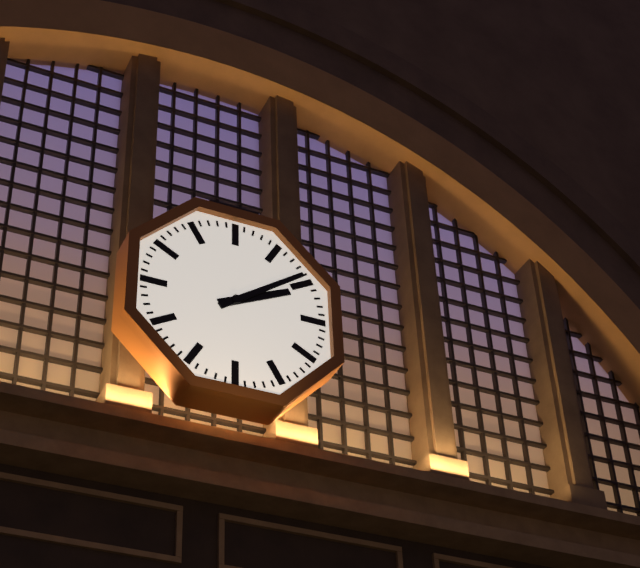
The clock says {"hour": 2, "minute": 9}
